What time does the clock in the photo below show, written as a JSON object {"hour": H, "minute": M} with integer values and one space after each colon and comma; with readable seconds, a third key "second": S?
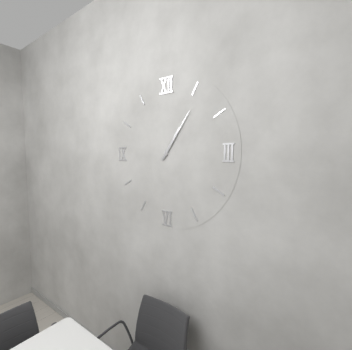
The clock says {"hour": 1, "minute": 6}
